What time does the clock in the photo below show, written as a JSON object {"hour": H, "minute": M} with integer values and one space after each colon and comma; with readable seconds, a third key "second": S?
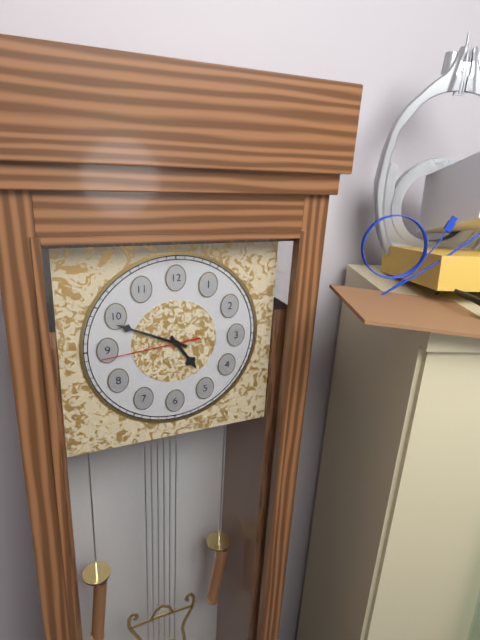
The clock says {"hour": 4, "minute": 49, "second": 44}
